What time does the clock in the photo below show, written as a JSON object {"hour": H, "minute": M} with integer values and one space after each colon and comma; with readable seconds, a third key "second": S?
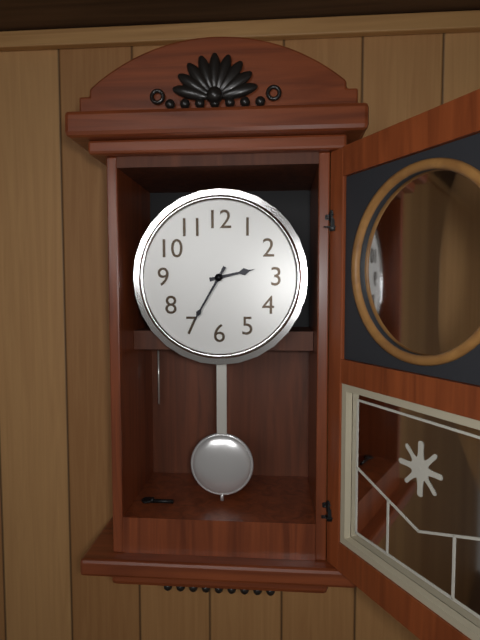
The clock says {"hour": 2, "minute": 35}
